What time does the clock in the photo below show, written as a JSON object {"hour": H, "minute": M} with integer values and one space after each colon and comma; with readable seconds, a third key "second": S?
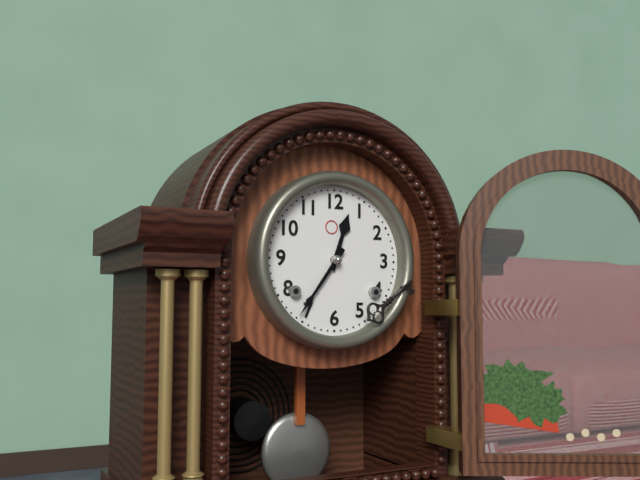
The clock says {"hour": 12, "minute": 36}
